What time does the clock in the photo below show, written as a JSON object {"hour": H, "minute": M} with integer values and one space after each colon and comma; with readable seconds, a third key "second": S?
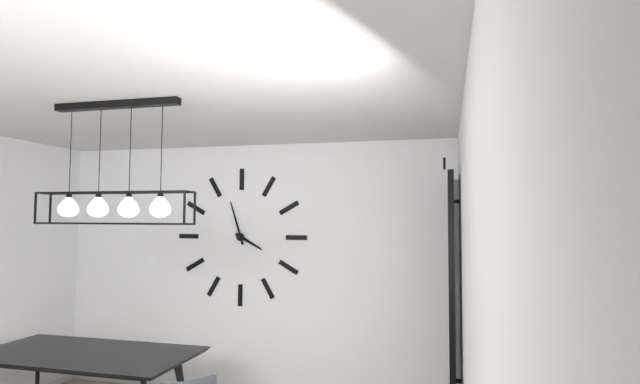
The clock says {"hour": 3, "minute": 57}
